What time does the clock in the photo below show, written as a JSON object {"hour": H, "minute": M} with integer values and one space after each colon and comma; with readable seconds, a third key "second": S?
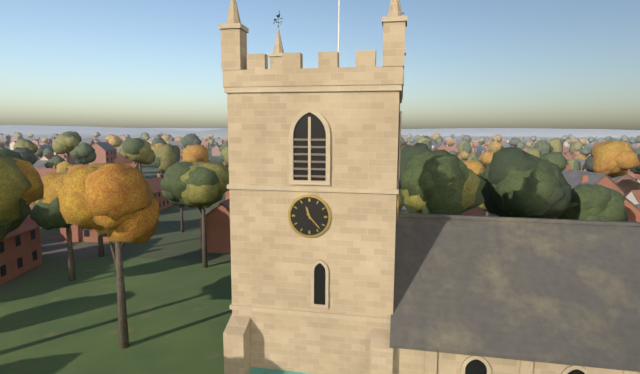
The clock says {"hour": 11, "minute": 23}
